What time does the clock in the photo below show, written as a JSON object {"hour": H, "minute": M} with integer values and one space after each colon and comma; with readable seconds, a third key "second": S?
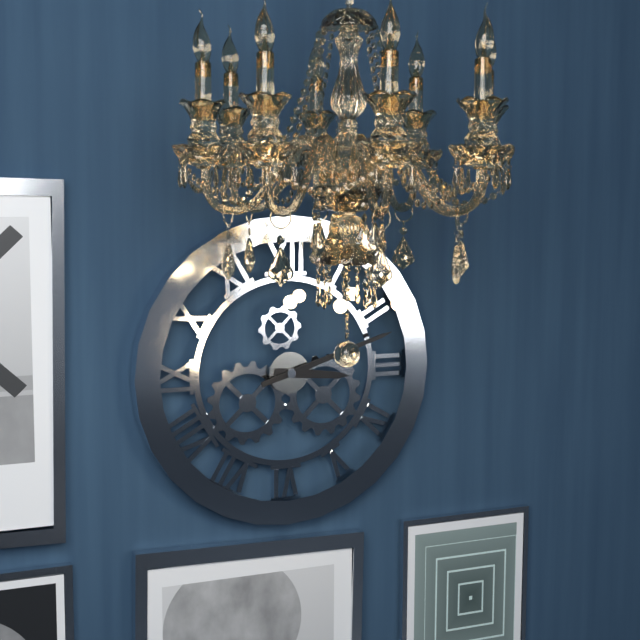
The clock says {"hour": 3, "minute": 12}
